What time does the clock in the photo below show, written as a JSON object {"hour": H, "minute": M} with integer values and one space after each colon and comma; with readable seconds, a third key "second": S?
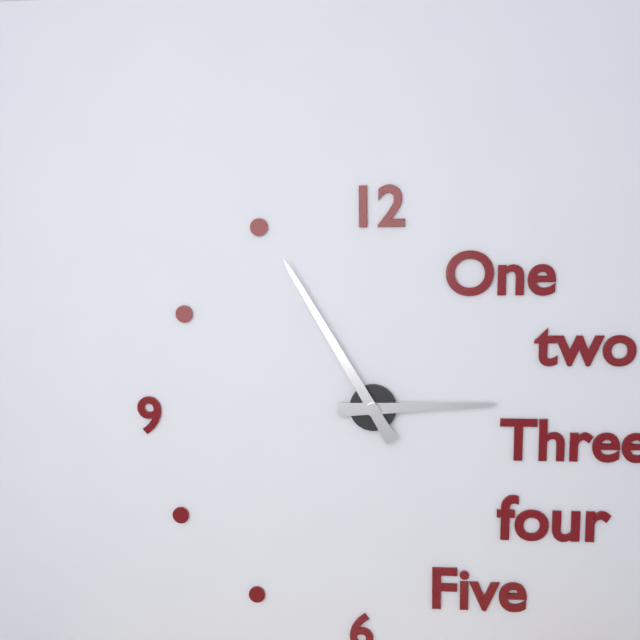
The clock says {"hour": 2, "minute": 55}
